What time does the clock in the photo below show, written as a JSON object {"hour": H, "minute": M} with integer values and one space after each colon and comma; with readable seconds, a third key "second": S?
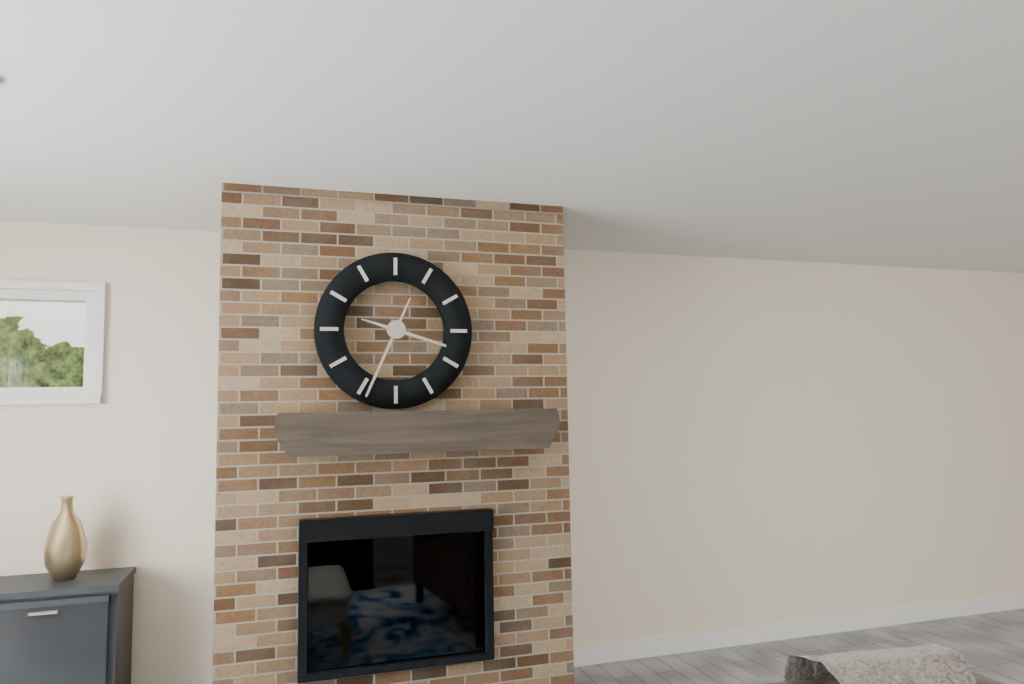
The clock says {"hour": 3, "minute": 34}
